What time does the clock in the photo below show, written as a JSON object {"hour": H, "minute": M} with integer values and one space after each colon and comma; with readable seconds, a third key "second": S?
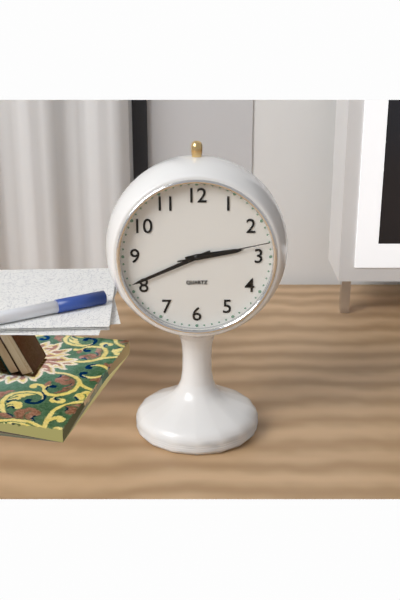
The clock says {"hour": 2, "minute": 41, "second": 13}
